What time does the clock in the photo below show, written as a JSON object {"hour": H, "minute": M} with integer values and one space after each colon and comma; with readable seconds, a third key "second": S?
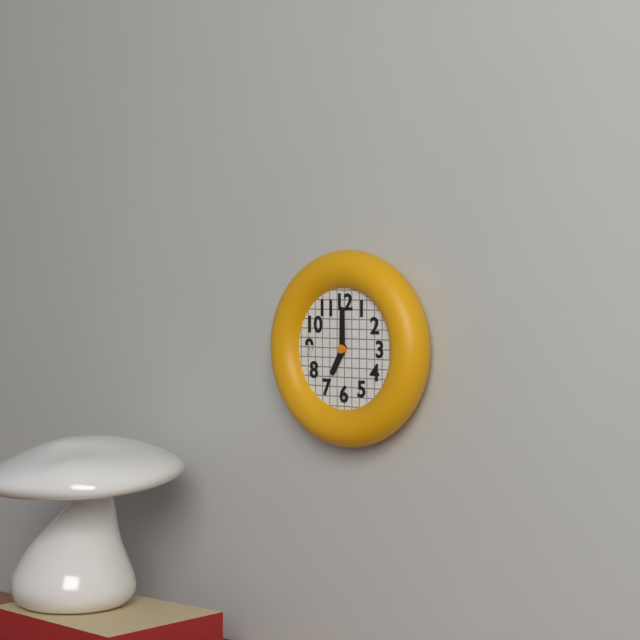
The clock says {"hour": 7, "minute": 0}
